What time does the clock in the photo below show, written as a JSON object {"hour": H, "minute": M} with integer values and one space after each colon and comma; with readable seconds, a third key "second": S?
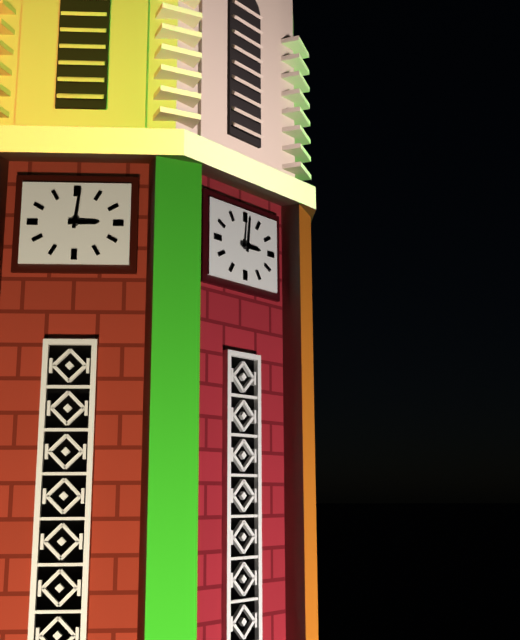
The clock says {"hour": 3, "minute": 1}
